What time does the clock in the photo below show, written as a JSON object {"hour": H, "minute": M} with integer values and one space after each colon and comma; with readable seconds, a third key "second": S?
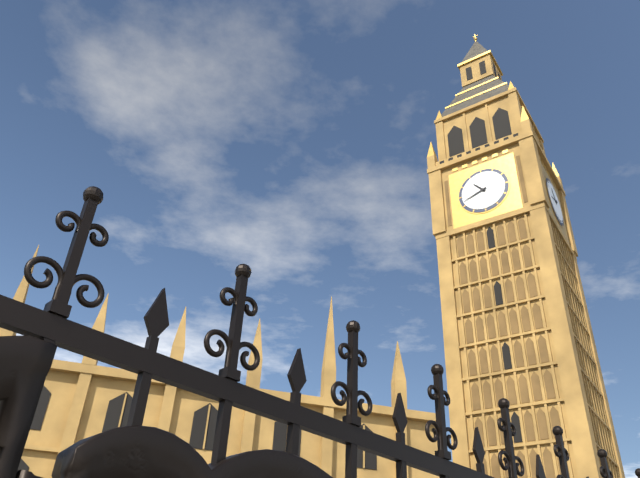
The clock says {"hour": 10, "minute": 42}
